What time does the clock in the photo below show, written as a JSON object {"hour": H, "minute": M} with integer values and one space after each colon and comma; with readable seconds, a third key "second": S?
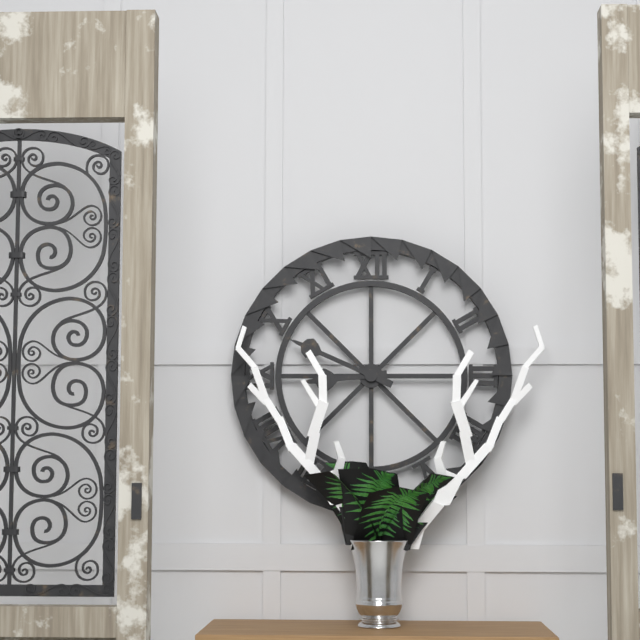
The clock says {"hour": 8, "minute": 49}
